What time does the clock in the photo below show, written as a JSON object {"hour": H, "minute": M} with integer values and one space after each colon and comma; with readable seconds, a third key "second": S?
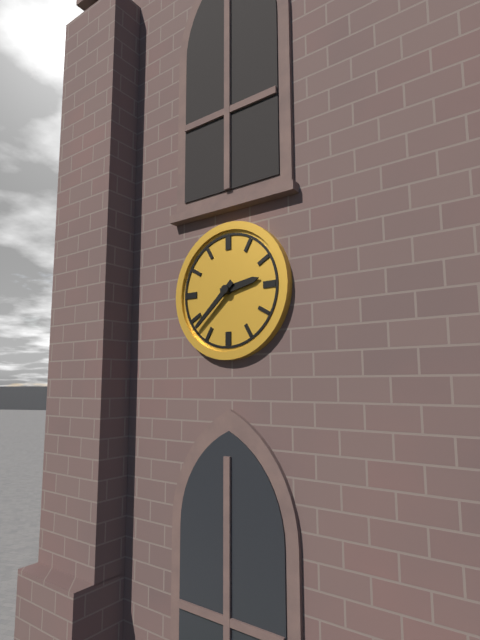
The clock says {"hour": 2, "minute": 38}
